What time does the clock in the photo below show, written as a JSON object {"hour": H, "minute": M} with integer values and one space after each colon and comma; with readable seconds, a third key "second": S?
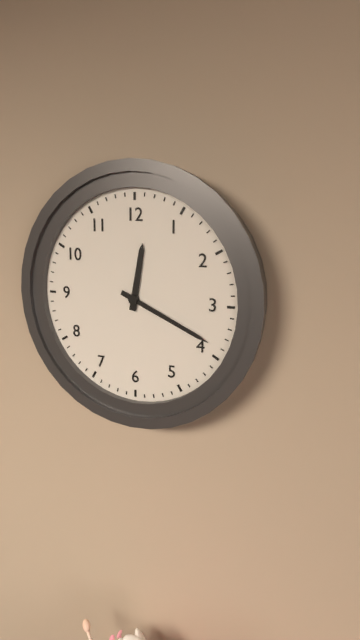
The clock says {"hour": 12, "minute": 19}
